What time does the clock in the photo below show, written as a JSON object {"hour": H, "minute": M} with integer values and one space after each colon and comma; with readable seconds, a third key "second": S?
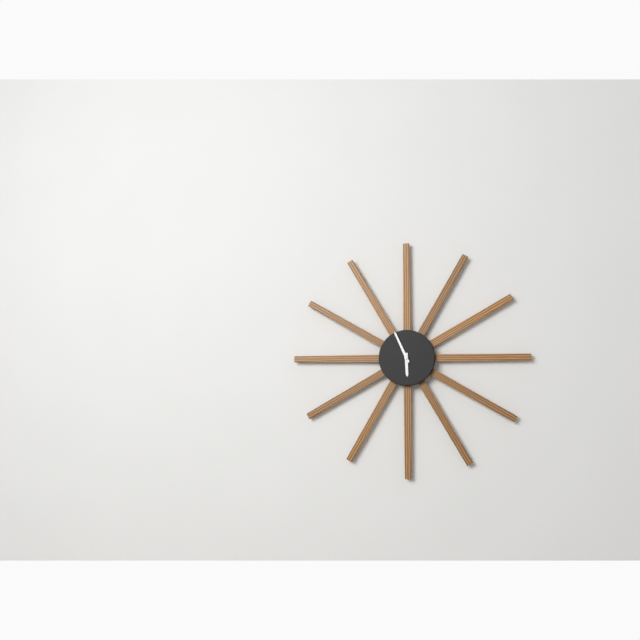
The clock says {"hour": 5, "minute": 56}
